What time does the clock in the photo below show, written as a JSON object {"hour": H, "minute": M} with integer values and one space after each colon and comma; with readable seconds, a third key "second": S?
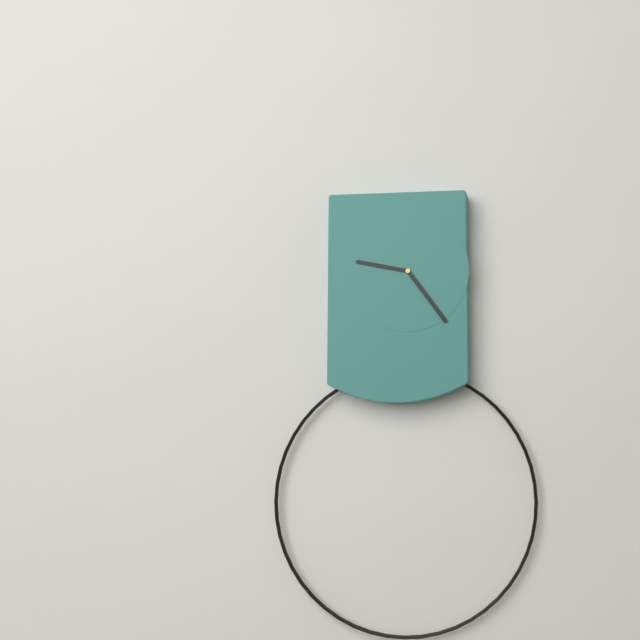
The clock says {"hour": 9, "minute": 24}
